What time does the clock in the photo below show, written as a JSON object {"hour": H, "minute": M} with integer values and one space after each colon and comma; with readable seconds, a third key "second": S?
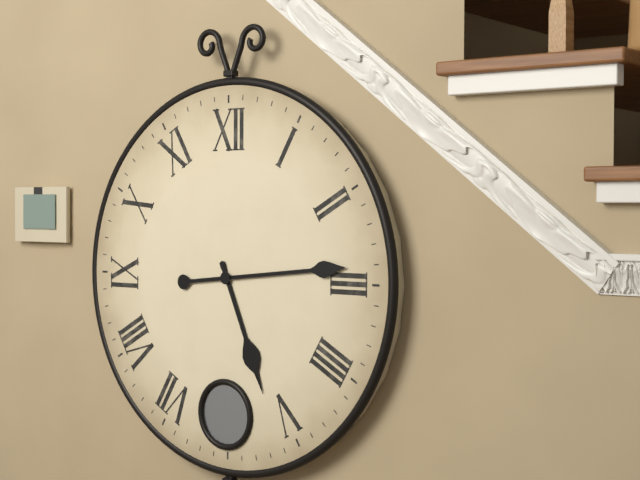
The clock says {"hour": 5, "minute": 14}
